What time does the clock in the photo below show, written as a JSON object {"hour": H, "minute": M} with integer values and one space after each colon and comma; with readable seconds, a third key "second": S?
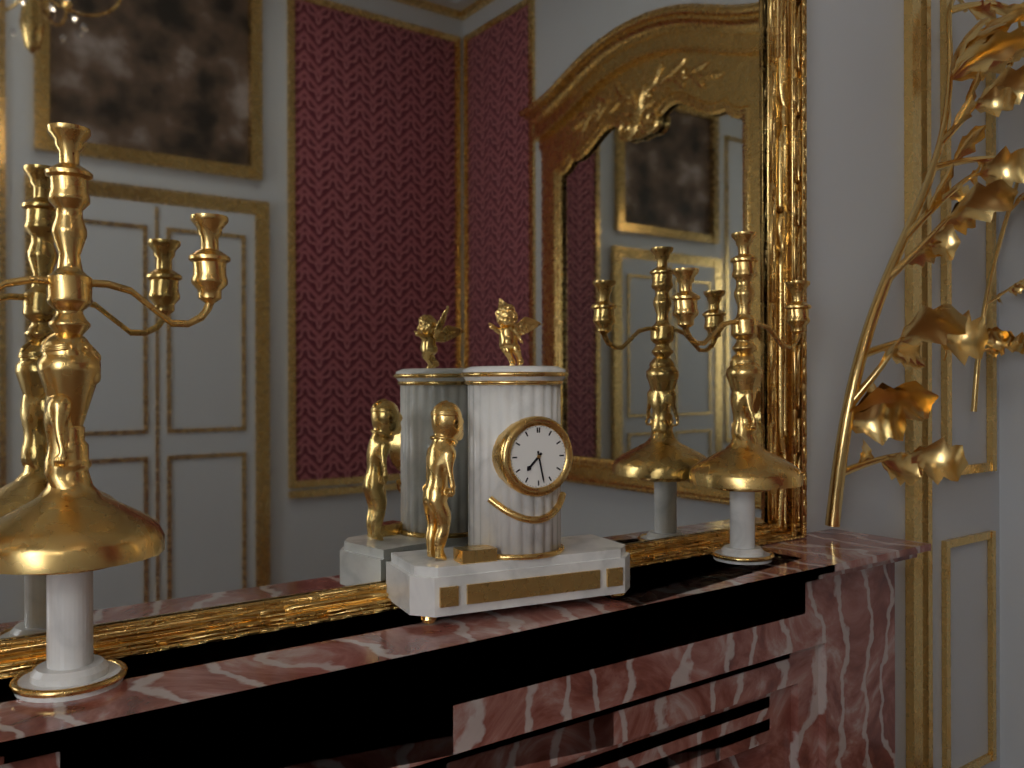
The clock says {"hour": 7, "minute": 28}
